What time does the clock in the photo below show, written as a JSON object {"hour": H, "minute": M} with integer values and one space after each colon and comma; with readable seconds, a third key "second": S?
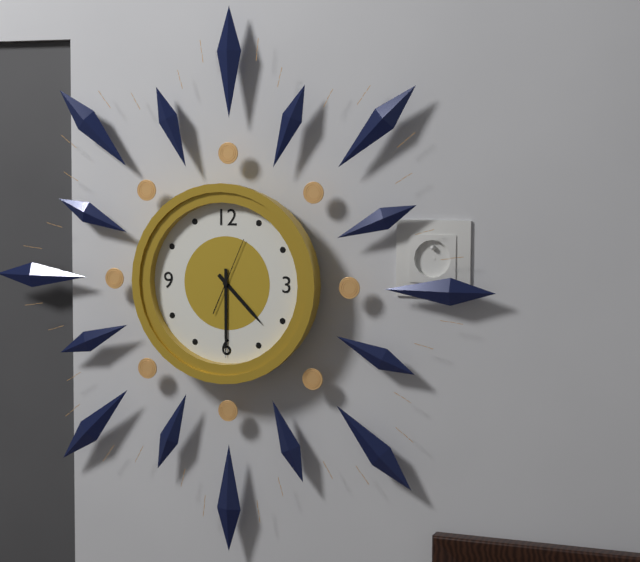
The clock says {"hour": 4, "minute": 30, "second": 4}
